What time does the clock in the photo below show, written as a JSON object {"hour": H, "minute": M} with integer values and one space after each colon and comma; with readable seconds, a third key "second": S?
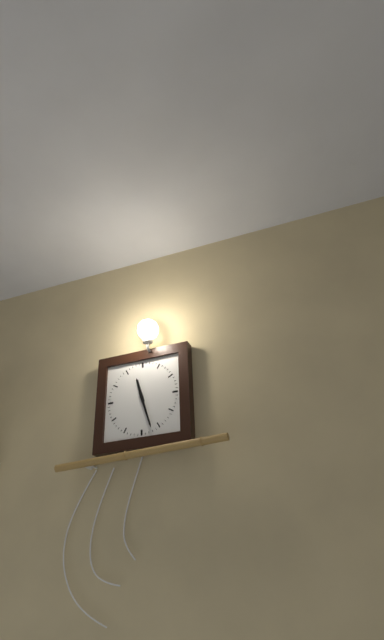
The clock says {"hour": 11, "minute": 27}
